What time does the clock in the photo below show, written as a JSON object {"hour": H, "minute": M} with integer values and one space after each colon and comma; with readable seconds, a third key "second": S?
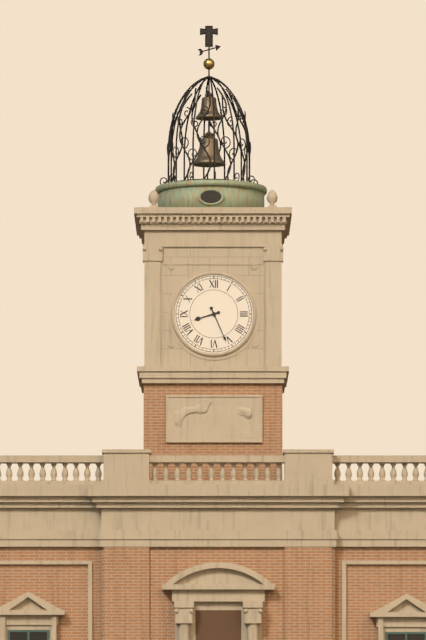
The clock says {"hour": 8, "minute": 26}
